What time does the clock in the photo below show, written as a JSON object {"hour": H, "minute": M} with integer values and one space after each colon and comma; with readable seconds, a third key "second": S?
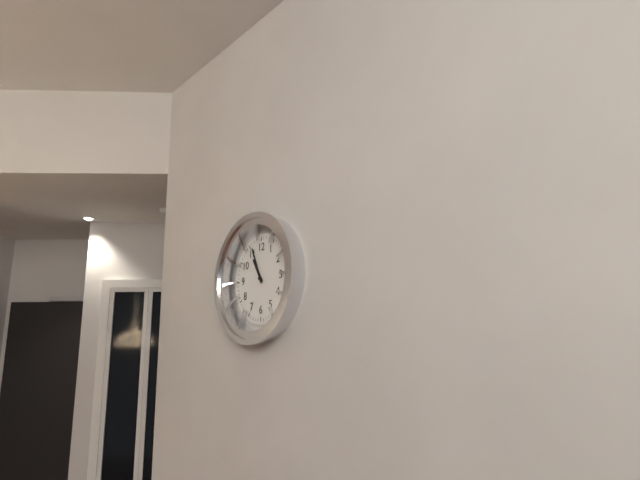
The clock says {"hour": 10, "minute": 56}
